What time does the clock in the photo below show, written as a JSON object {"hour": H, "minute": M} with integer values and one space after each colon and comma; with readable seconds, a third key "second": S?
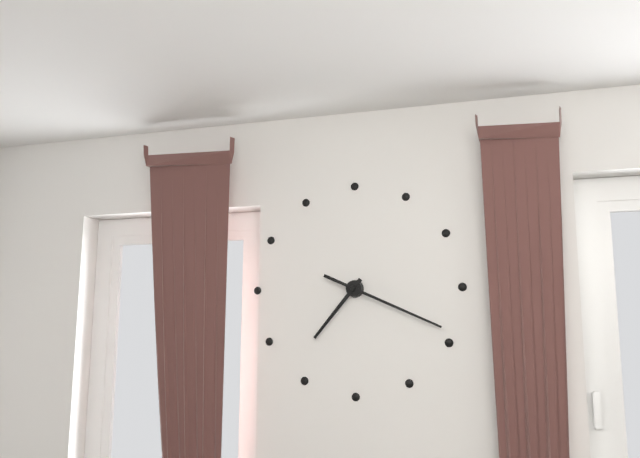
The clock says {"hour": 7, "minute": 19}
